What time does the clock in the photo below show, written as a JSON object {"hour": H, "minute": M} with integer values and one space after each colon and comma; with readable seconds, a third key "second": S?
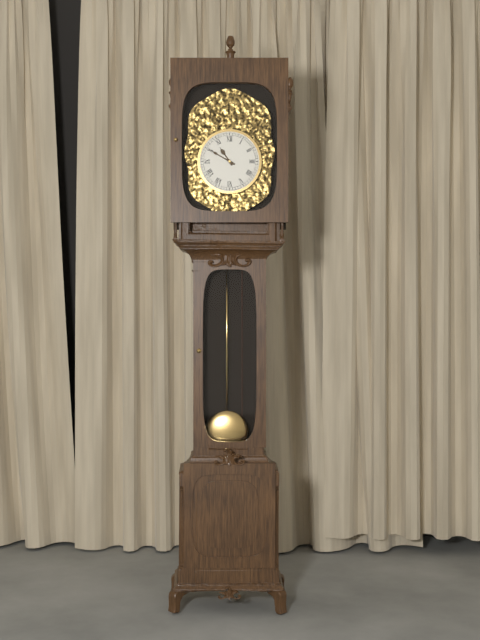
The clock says {"hour": 10, "minute": 50}
